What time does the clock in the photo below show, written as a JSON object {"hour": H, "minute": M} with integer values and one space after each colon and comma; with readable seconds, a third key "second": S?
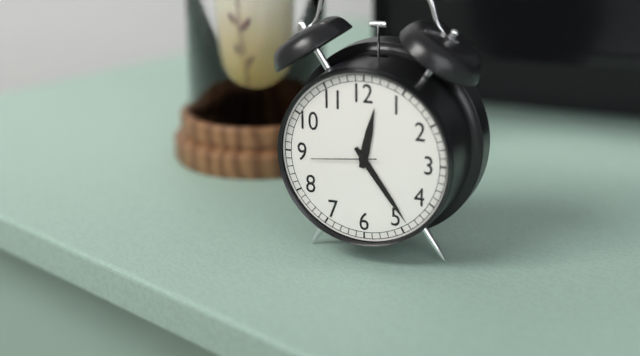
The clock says {"hour": 12, "minute": 24, "second": 44}
